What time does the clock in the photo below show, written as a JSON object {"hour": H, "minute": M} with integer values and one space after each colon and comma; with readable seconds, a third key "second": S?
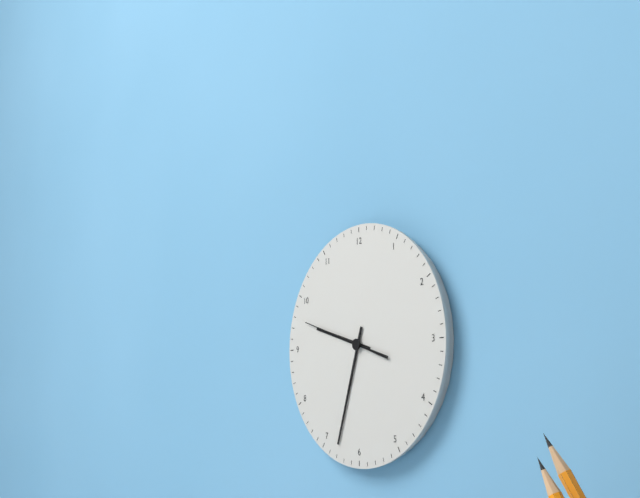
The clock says {"hour": 9, "minute": 33, "second": 48}
